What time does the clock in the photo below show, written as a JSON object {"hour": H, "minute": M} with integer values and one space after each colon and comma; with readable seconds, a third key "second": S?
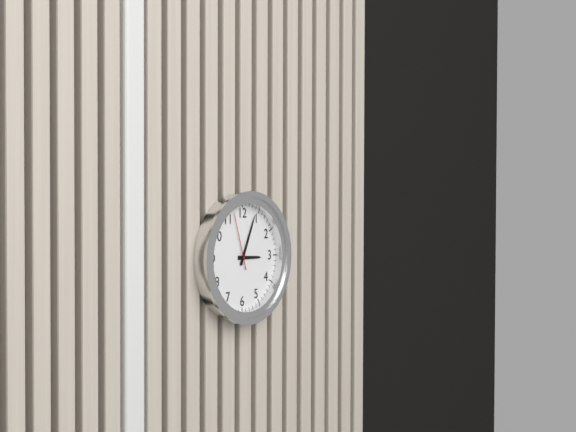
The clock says {"hour": 3, "minute": 4, "second": 57}
